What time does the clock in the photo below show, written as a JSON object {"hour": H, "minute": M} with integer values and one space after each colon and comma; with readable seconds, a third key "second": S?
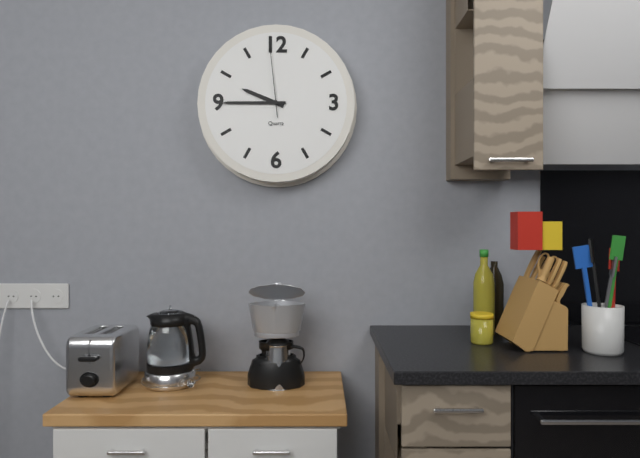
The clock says {"hour": 9, "minute": 45, "second": 59}
